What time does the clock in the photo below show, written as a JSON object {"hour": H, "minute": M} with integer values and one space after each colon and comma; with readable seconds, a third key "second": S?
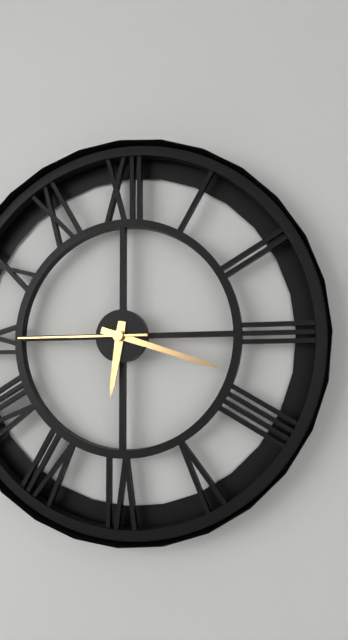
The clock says {"hour": 6, "minute": 18, "second": 45}
